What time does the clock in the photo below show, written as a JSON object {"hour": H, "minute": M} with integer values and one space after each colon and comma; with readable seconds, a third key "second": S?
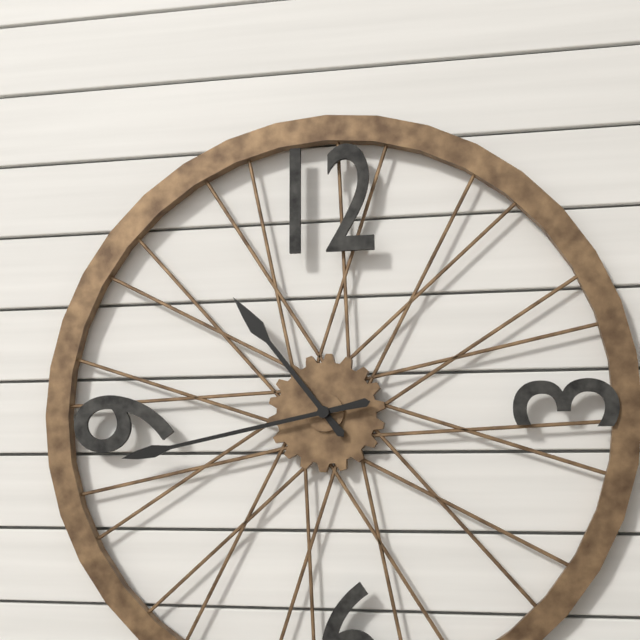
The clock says {"hour": 10, "minute": 43}
